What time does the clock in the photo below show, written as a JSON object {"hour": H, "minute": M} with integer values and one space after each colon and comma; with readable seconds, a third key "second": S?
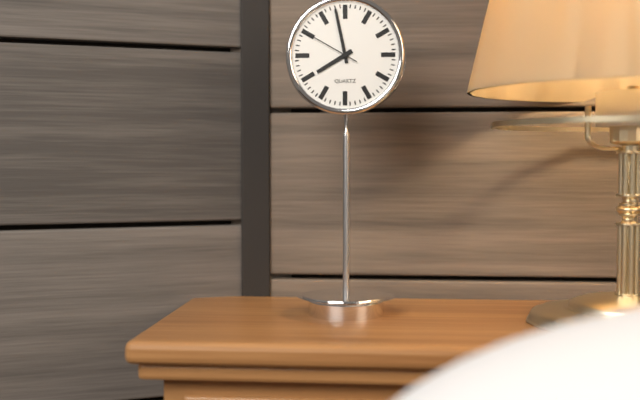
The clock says {"hour": 7, "minute": 58, "second": 50}
